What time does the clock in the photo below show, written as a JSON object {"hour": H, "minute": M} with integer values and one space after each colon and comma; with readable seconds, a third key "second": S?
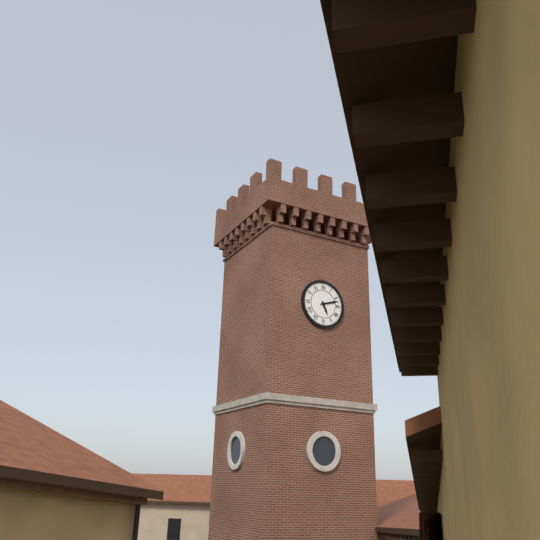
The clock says {"hour": 5, "minute": 12}
